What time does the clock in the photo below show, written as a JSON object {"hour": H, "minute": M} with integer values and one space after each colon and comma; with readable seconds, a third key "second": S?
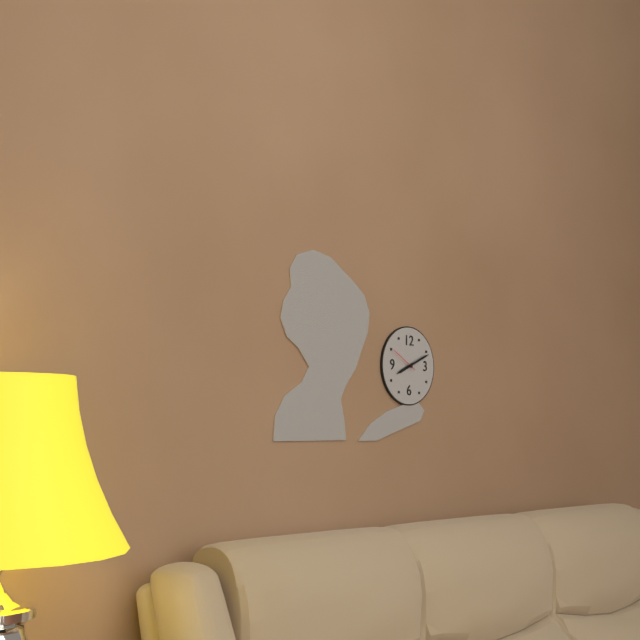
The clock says {"hour": 8, "minute": 11}
